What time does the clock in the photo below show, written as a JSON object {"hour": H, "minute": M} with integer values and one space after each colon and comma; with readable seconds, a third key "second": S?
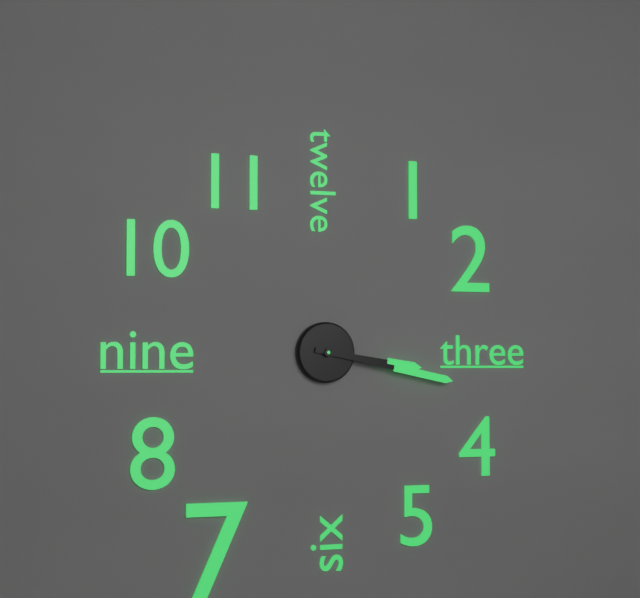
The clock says {"hour": 3, "minute": 17}
